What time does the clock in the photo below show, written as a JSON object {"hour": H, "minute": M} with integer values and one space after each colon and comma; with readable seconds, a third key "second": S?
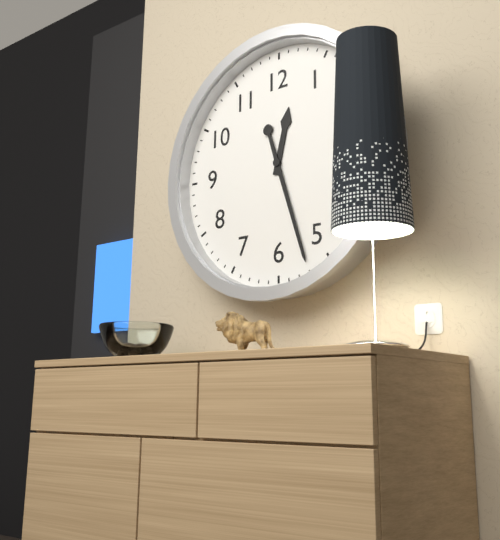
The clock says {"hour": 12, "minute": 27}
